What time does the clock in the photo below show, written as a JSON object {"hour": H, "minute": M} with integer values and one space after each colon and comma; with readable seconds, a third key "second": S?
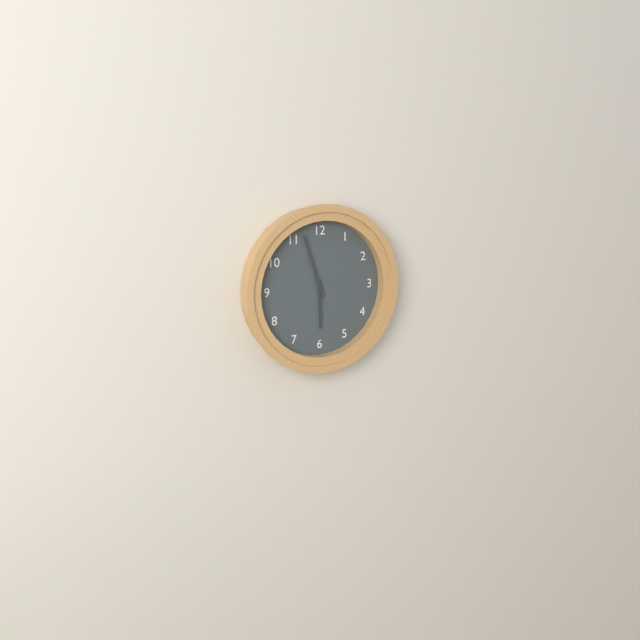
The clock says {"hour": 5, "minute": 57}
